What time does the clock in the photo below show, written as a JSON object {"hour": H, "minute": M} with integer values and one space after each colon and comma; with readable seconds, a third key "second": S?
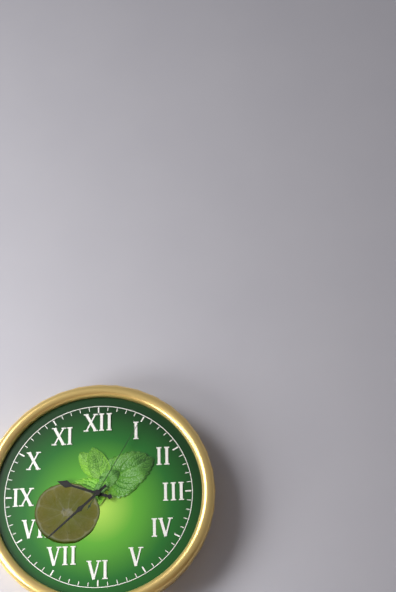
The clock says {"hour": 9, "minute": 38, "second": 5}
